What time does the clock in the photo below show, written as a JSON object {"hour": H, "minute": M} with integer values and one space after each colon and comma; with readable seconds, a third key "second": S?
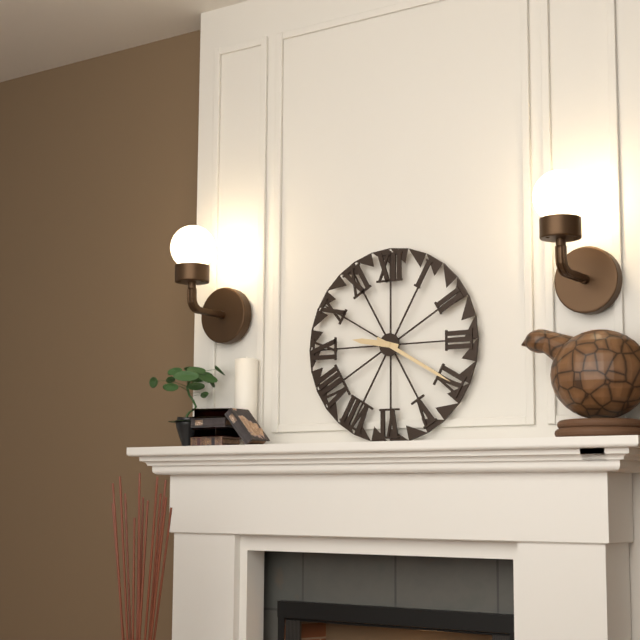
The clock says {"hour": 9, "minute": 20}
